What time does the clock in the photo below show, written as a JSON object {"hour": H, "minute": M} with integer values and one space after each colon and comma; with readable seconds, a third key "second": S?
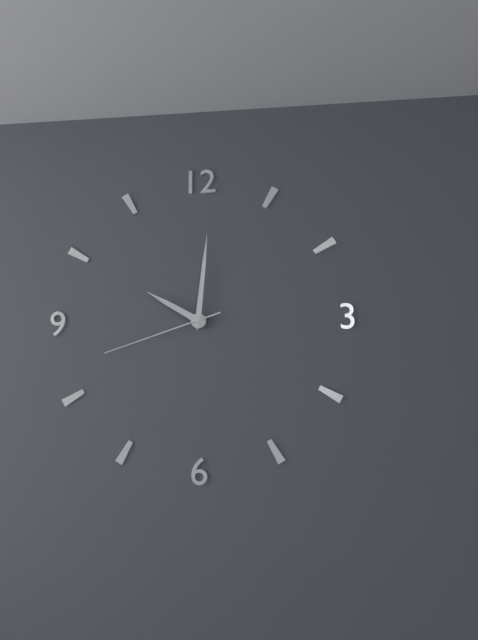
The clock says {"hour": 10, "minute": 1, "second": 42}
